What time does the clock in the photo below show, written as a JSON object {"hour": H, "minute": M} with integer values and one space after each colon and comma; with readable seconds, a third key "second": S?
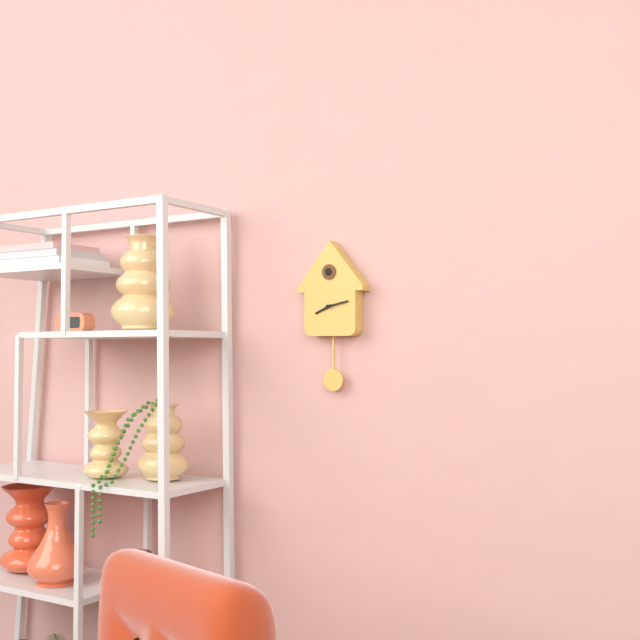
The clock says {"hour": 8, "minute": 13}
